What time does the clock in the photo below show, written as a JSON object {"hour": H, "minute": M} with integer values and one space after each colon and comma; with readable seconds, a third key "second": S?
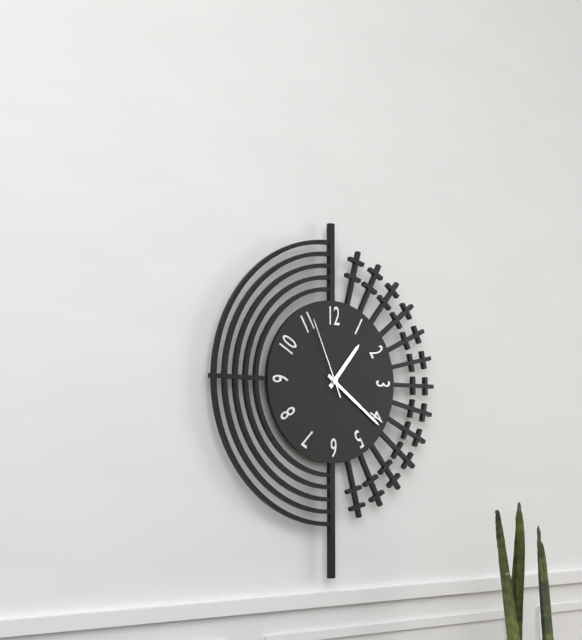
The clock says {"hour": 1, "minute": 21, "second": 56}
